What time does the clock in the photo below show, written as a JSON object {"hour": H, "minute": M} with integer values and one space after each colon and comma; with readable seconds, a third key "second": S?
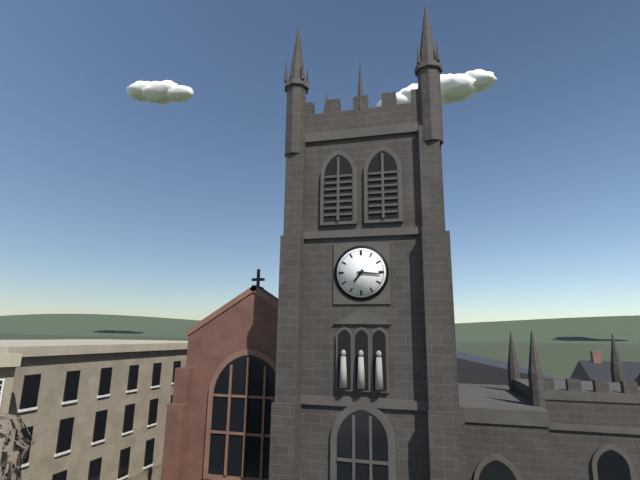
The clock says {"hour": 7, "minute": 16}
